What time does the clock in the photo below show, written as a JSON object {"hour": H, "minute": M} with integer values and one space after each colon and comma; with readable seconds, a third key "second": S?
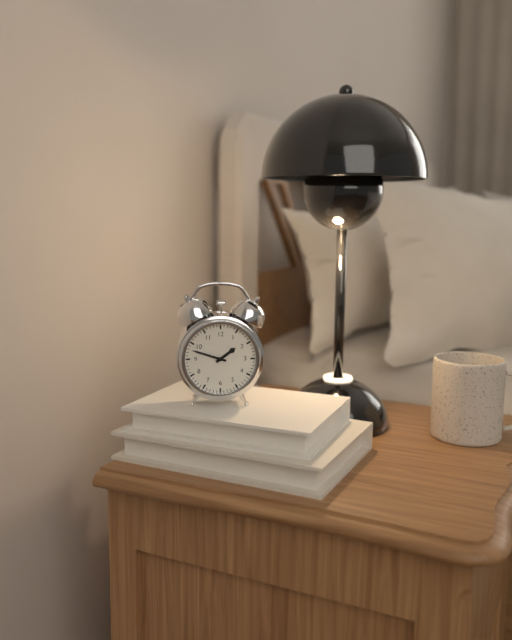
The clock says {"hour": 1, "minute": 48}
